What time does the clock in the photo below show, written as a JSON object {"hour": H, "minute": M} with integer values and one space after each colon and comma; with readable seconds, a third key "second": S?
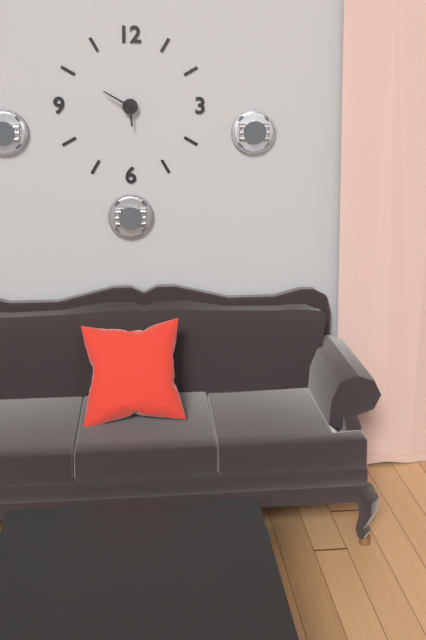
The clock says {"hour": 5, "minute": 50}
